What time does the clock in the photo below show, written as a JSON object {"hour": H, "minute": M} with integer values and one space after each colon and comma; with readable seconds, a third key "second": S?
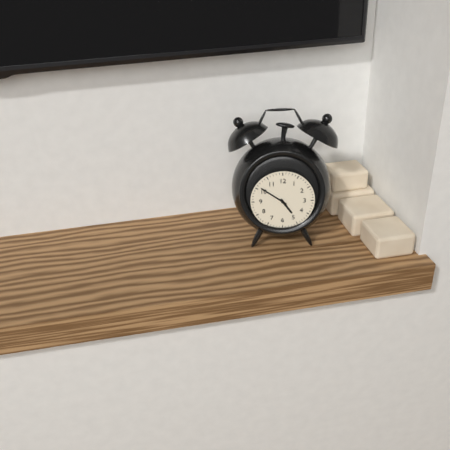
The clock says {"hour": 4, "minute": 51}
